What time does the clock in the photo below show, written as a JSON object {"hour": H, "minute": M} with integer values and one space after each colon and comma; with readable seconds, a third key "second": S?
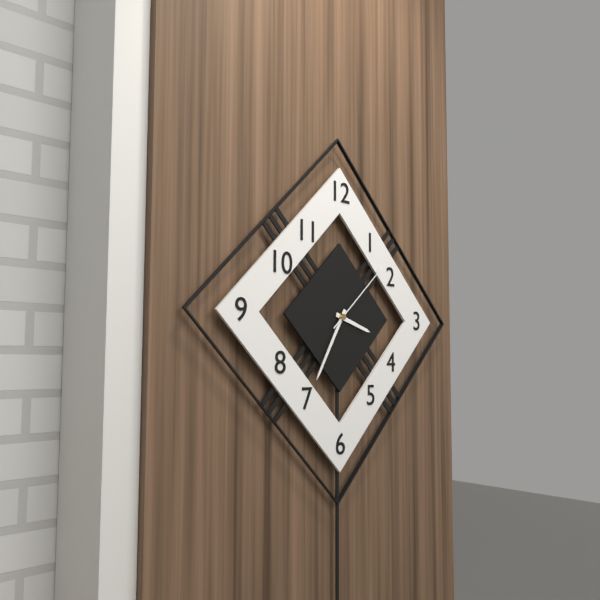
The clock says {"hour": 3, "minute": 35, "second": 8}
